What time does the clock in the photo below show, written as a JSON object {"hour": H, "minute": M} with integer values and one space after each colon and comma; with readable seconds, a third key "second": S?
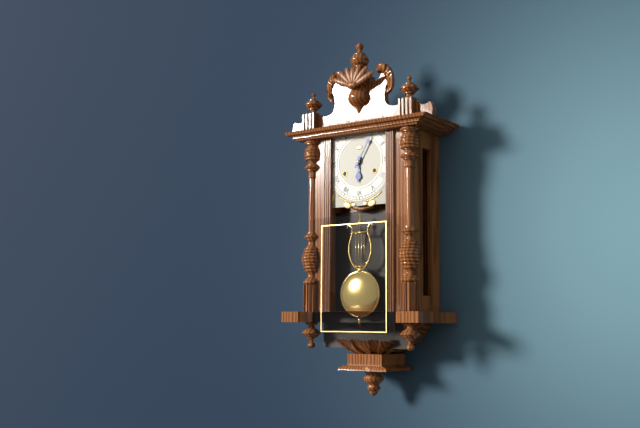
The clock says {"hour": 6, "minute": 5}
